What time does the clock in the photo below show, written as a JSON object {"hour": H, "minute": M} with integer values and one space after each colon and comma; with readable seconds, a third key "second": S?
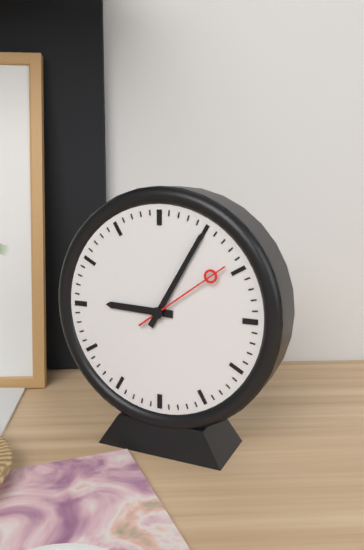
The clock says {"hour": 9, "minute": 5, "second": 9}
